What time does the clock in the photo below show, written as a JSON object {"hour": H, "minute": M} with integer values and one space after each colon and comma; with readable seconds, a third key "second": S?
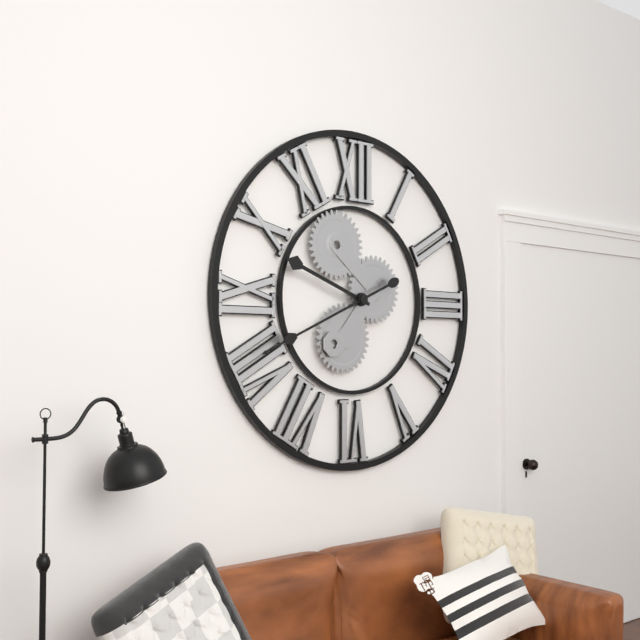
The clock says {"hour": 9, "minute": 41}
